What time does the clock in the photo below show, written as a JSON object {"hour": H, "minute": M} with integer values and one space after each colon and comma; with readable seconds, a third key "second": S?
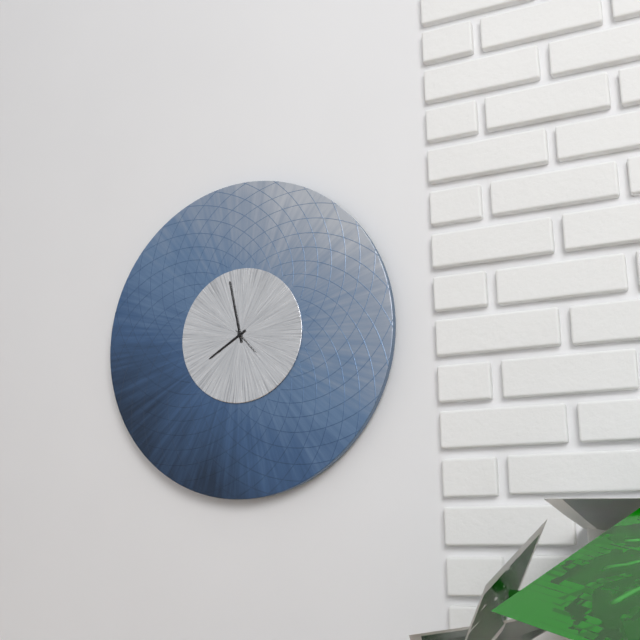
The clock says {"hour": 7, "minute": 58}
